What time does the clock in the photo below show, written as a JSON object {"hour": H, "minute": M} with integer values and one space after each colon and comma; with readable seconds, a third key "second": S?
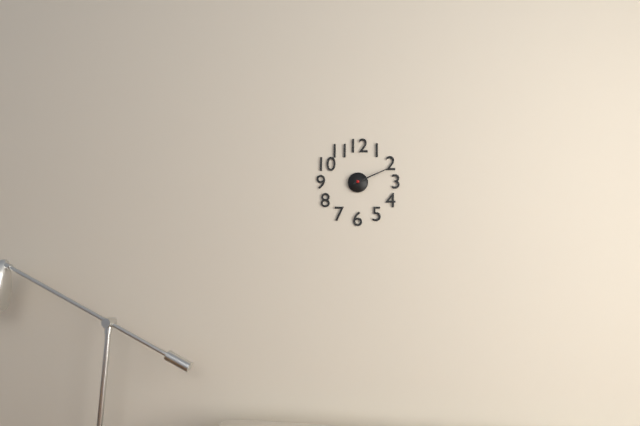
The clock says {"hour": 2, "minute": 11}
